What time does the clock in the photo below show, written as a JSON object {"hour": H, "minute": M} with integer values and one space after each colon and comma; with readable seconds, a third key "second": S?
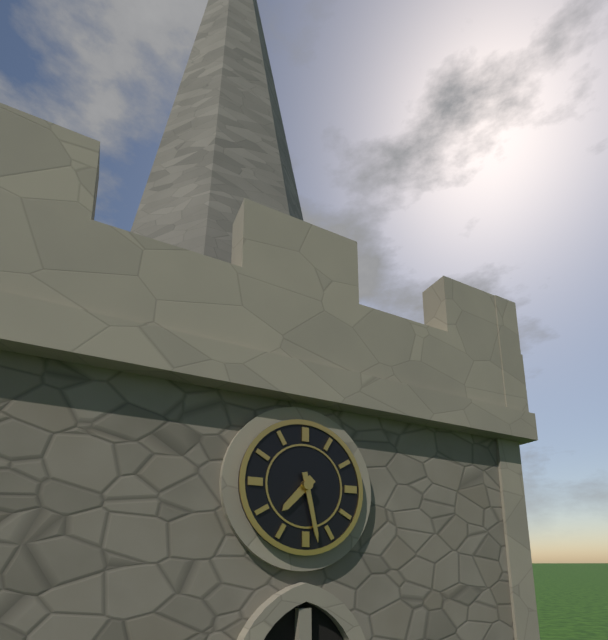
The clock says {"hour": 7, "minute": 28}
